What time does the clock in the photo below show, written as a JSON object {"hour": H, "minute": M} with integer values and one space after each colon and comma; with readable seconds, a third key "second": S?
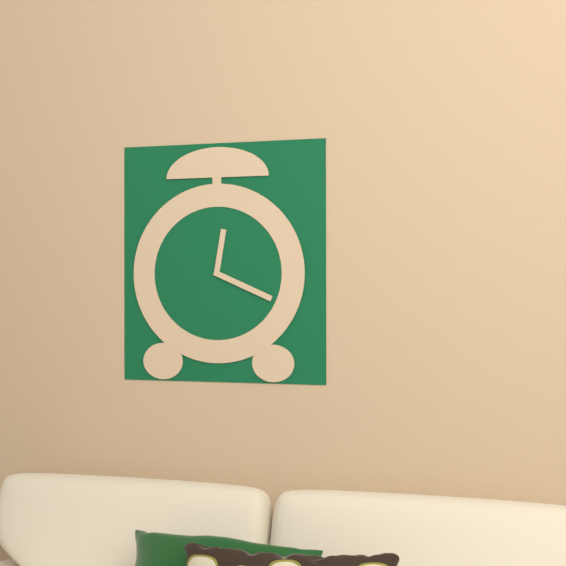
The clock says {"hour": 12, "minute": 19}
